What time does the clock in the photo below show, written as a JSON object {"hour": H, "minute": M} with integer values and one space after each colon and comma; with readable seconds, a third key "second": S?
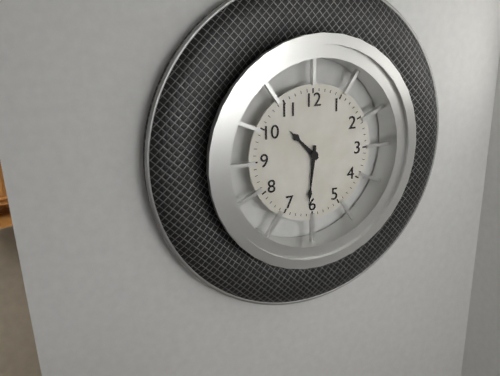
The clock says {"hour": 10, "minute": 31}
